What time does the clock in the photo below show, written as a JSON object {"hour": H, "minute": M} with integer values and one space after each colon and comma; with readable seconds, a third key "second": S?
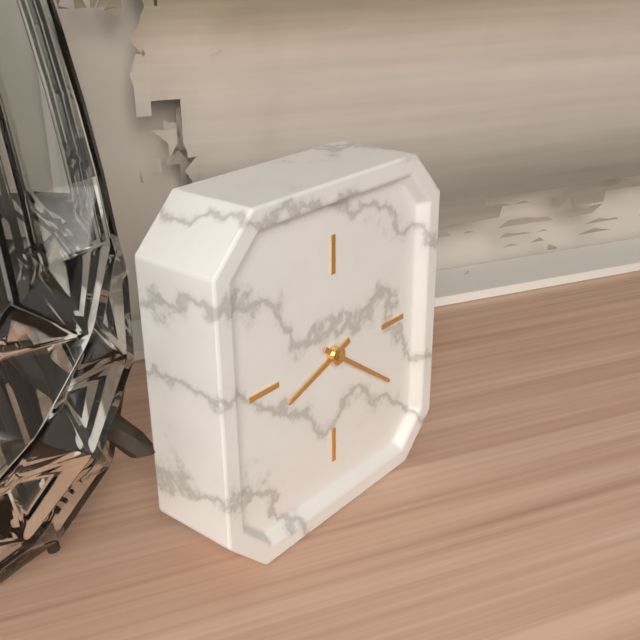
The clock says {"hour": 8, "minute": 21}
